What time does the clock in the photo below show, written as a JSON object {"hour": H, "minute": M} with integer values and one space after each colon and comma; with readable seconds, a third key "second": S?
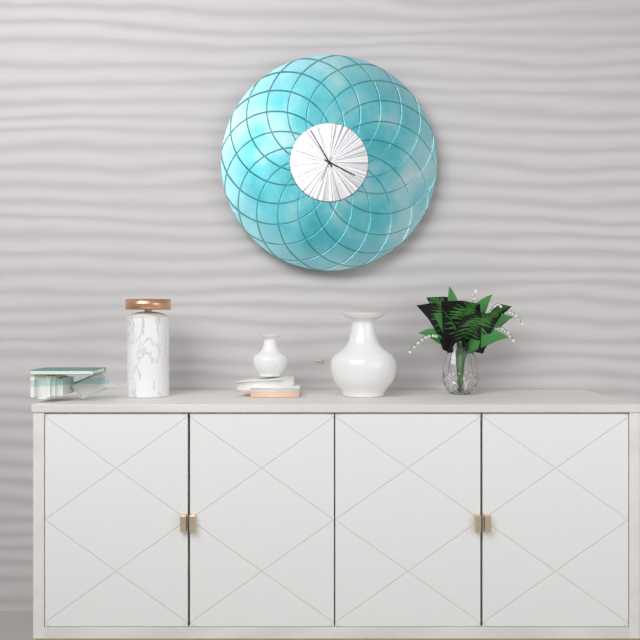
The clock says {"hour": 3, "minute": 55}
